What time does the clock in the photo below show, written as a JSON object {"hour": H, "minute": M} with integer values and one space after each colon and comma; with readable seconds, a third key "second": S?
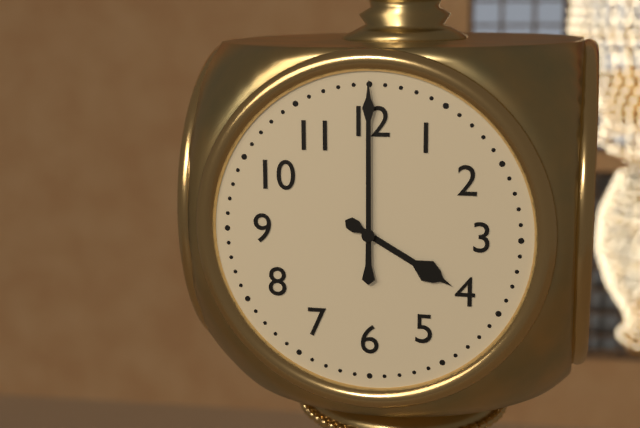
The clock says {"hour": 4, "minute": 0}
